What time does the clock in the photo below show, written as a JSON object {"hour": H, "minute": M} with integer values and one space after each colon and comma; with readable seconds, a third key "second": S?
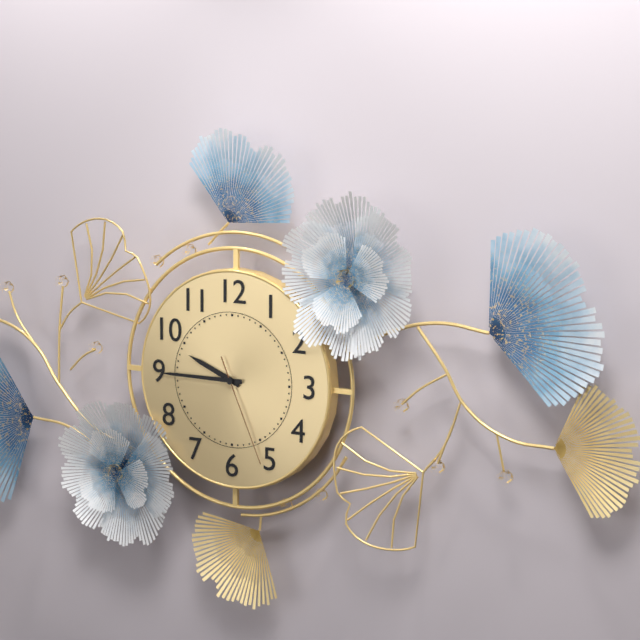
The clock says {"hour": 9, "minute": 45, "second": 26}
